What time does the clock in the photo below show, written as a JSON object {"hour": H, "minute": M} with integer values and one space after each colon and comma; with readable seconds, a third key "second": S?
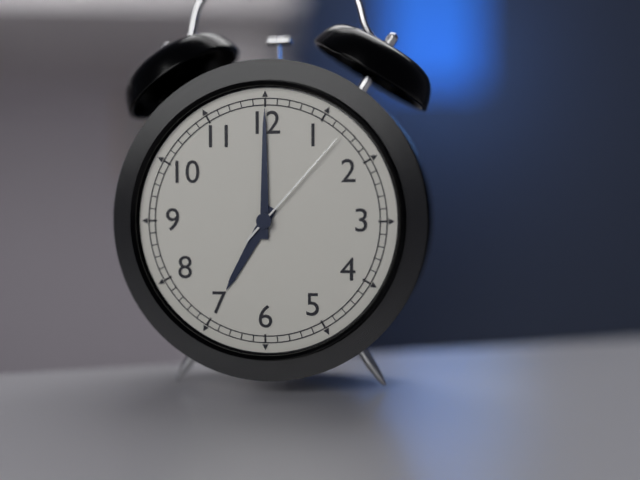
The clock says {"hour": 7, "minute": 0, "second": 7}
